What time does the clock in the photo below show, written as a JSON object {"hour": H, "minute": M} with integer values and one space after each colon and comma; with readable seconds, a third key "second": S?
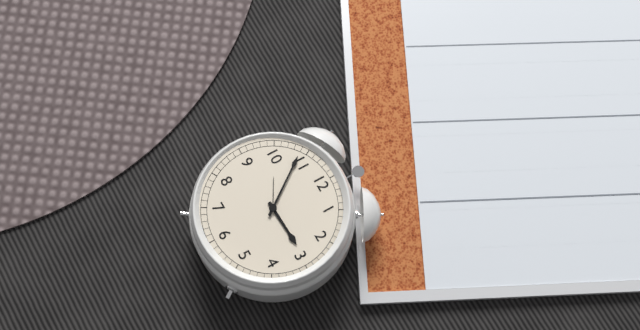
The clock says {"hour": 2, "minute": 54}
